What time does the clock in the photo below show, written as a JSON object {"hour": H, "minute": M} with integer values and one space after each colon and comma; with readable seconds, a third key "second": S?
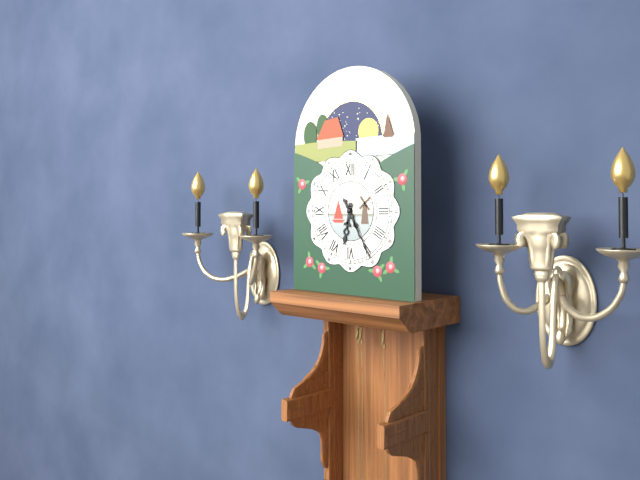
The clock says {"hour": 6, "minute": 25}
